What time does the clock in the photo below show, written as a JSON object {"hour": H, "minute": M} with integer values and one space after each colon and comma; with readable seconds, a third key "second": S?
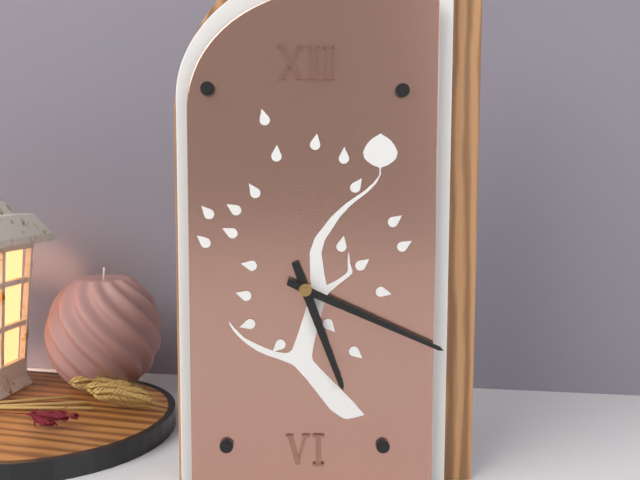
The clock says {"hour": 5, "minute": 19}
